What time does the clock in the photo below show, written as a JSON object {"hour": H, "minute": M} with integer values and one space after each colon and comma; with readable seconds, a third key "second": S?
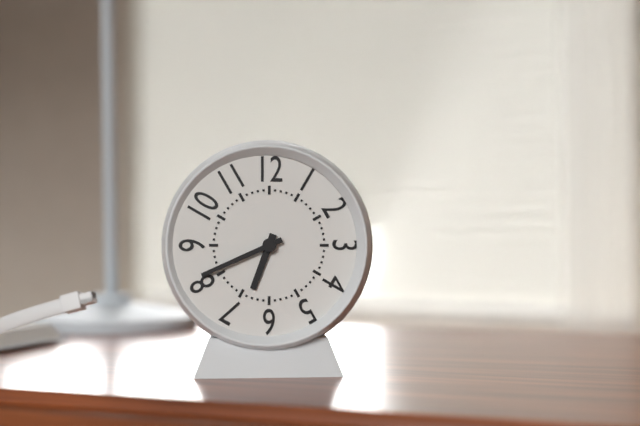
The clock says {"hour": 6, "minute": 41}
